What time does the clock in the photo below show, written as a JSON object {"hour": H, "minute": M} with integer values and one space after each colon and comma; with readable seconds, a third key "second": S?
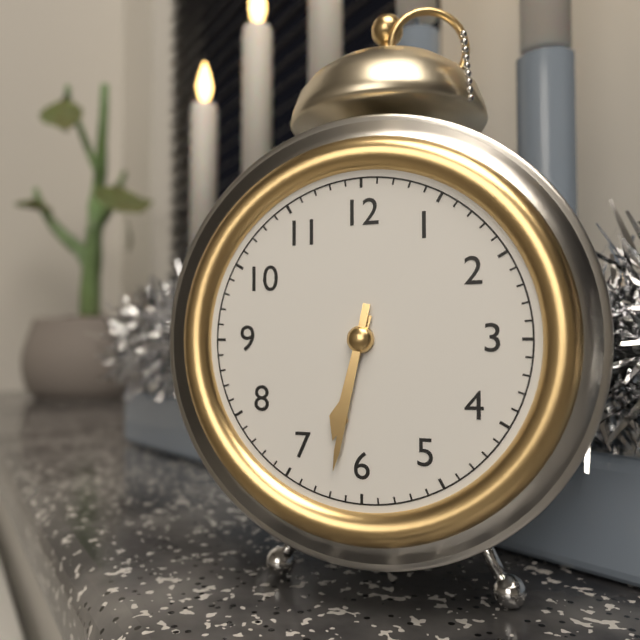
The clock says {"hour": 6, "minute": 32}
